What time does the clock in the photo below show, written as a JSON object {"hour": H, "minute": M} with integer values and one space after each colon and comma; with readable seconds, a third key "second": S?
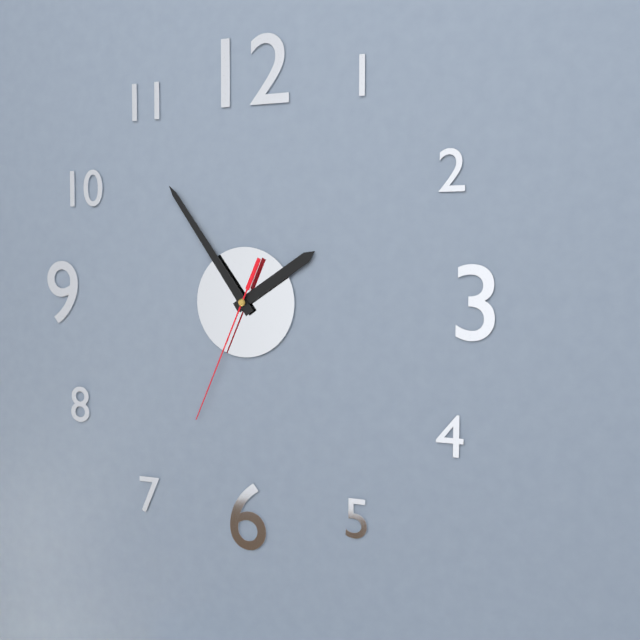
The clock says {"hour": 1, "minute": 54, "second": 34}
